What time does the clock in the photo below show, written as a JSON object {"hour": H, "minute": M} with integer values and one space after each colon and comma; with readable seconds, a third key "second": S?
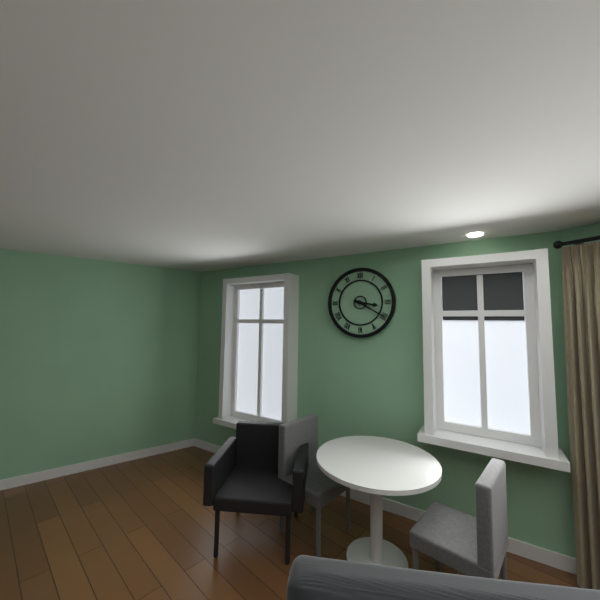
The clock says {"hour": 3, "minute": 20}
